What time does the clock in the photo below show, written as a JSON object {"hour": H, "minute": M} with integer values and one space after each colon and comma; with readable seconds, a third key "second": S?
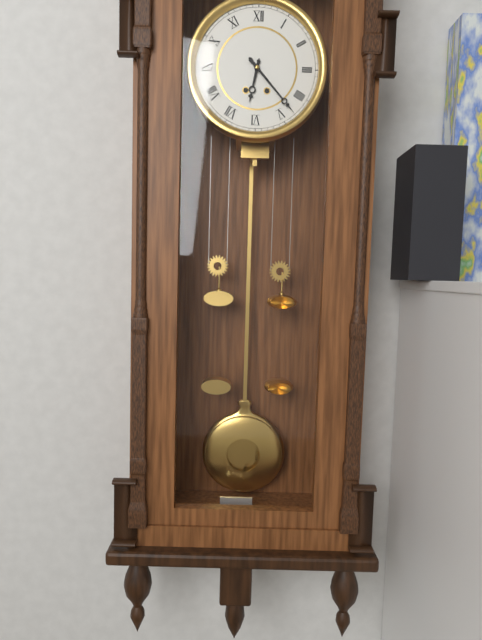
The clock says {"hour": 6, "minute": 23}
